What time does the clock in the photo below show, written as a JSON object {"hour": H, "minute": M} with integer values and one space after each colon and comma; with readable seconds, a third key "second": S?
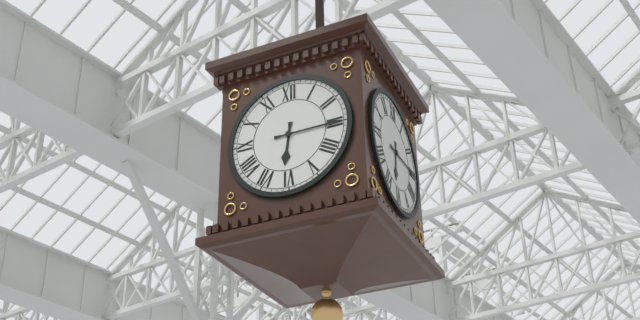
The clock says {"hour": 6, "minute": 15}
